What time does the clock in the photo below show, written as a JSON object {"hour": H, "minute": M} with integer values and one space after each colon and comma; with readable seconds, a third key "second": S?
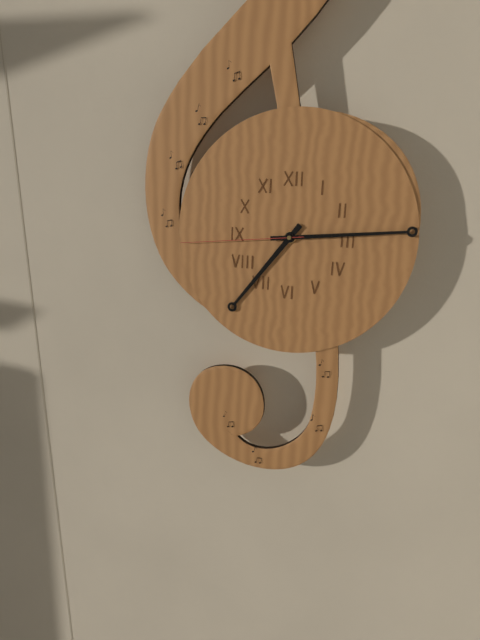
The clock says {"hour": 7, "minute": 14, "second": 44}
